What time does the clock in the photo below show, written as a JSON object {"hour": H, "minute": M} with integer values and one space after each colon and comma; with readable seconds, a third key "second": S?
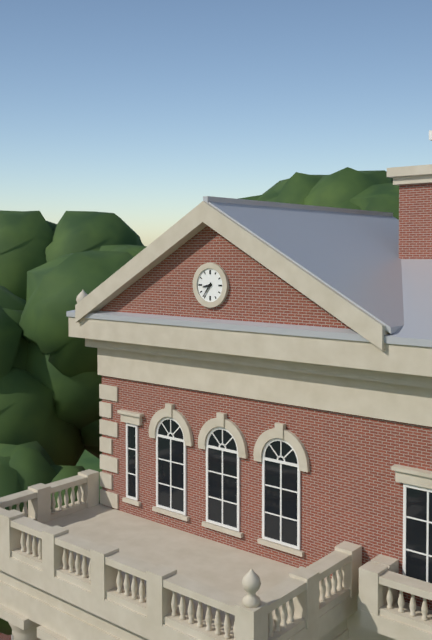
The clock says {"hour": 8, "minute": 36}
